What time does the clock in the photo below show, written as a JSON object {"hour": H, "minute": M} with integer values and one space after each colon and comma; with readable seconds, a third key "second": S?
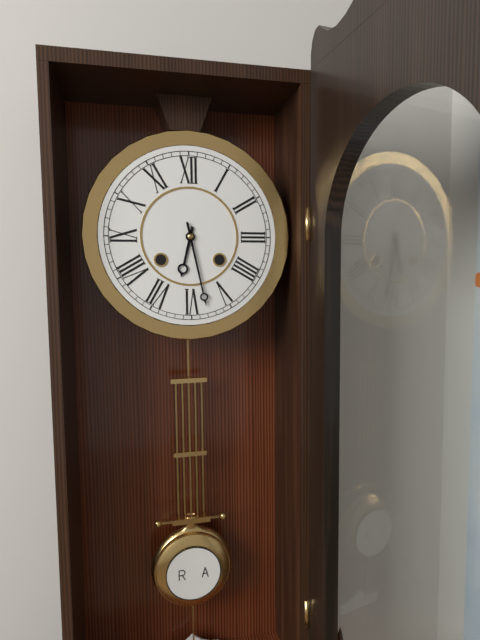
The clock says {"hour": 6, "minute": 28}
